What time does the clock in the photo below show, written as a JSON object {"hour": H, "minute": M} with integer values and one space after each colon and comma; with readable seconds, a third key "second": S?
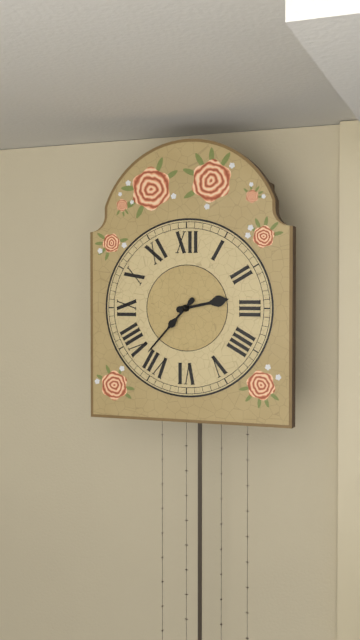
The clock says {"hour": 2, "minute": 37}
